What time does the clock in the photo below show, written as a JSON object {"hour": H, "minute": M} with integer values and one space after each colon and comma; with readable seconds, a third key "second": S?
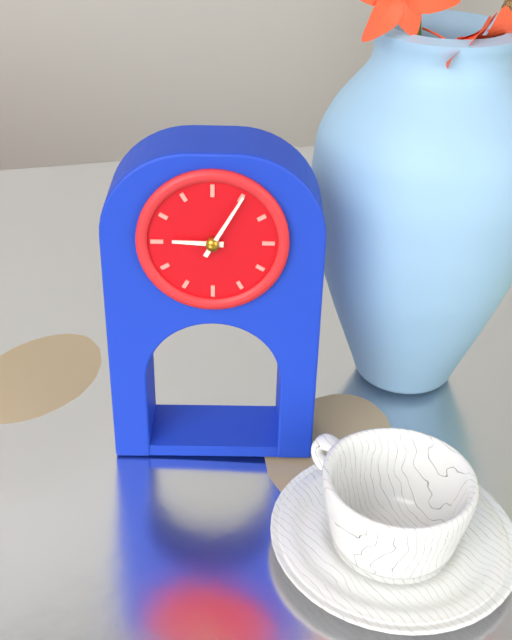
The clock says {"hour": 9, "minute": 5}
